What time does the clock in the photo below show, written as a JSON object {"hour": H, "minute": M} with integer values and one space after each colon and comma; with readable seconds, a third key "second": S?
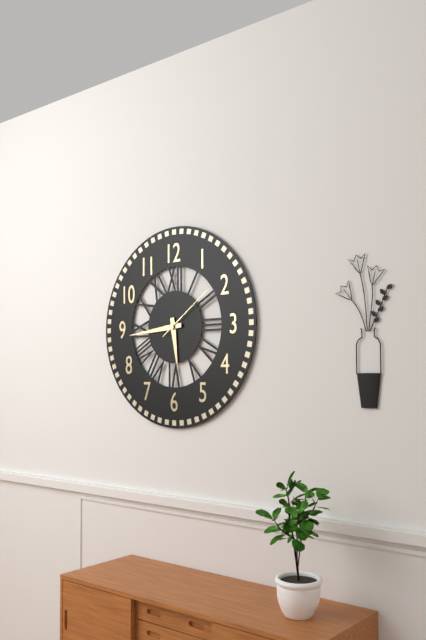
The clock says {"hour": 5, "minute": 44, "second": 9}
